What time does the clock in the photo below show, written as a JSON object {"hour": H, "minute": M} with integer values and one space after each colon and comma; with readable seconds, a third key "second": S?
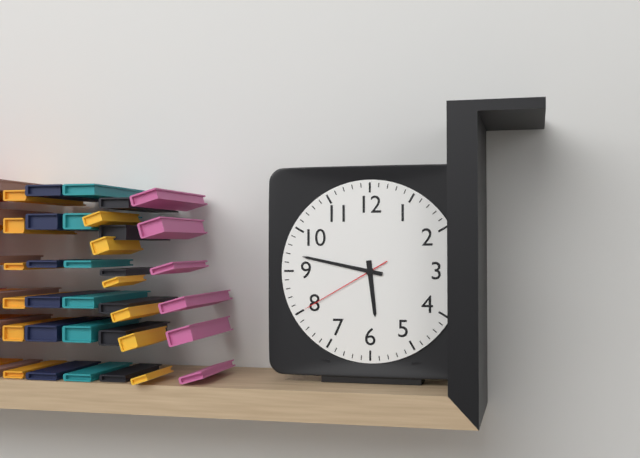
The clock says {"hour": 5, "minute": 47, "second": 40}
